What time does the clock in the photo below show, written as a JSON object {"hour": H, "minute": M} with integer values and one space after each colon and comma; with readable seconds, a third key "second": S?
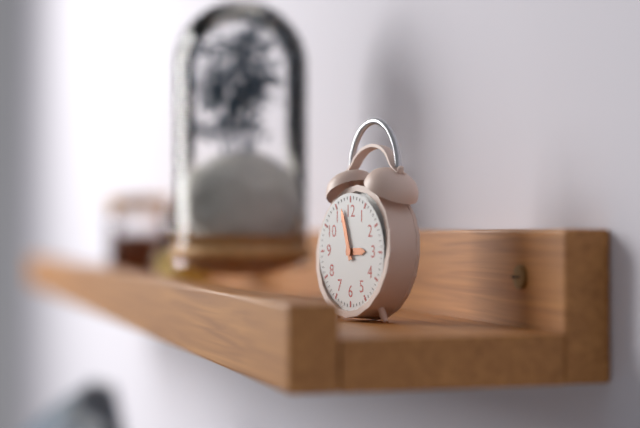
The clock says {"hour": 2, "minute": 57}
